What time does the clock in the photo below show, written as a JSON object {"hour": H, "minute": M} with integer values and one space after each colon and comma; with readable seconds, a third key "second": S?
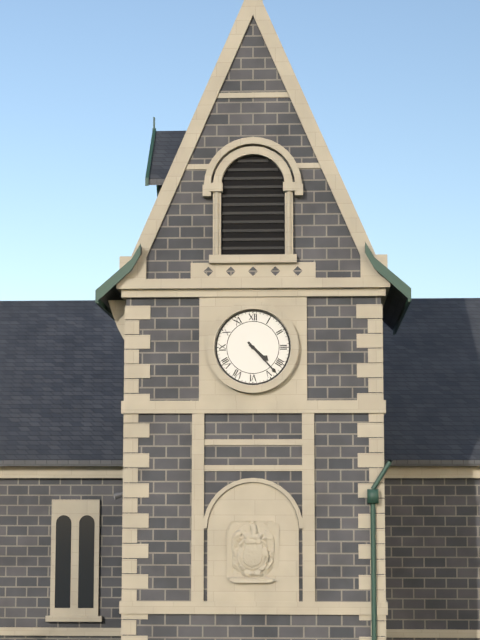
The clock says {"hour": 4, "minute": 23}
